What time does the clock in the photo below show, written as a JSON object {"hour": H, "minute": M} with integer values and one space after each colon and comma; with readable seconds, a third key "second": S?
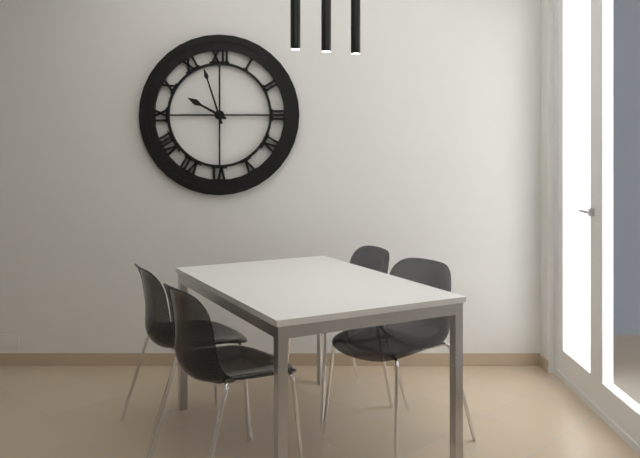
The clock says {"hour": 9, "minute": 57}
